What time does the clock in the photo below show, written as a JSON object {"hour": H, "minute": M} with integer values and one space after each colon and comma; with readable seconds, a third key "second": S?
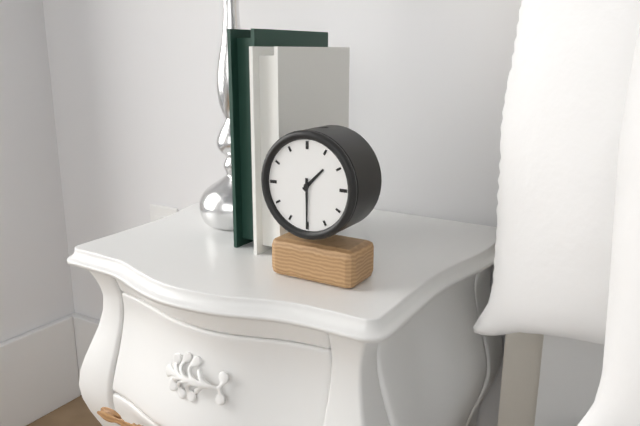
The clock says {"hour": 1, "minute": 30}
